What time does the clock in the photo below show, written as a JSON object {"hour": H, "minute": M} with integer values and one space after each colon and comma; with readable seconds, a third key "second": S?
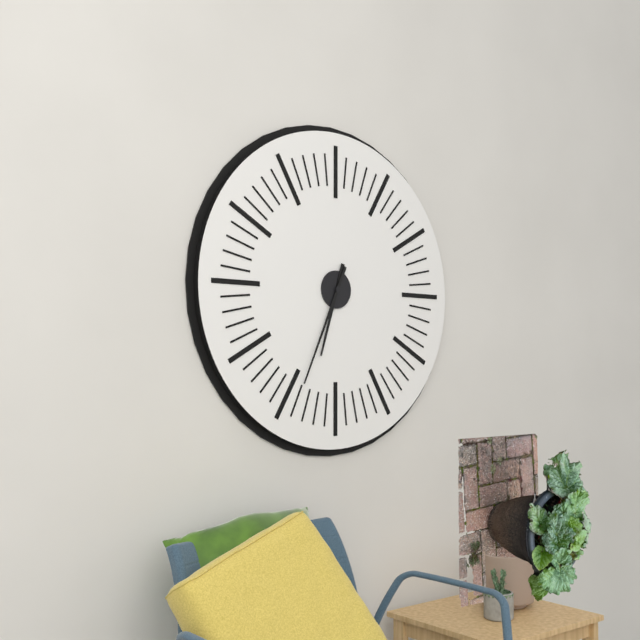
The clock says {"hour": 6, "minute": 34}
